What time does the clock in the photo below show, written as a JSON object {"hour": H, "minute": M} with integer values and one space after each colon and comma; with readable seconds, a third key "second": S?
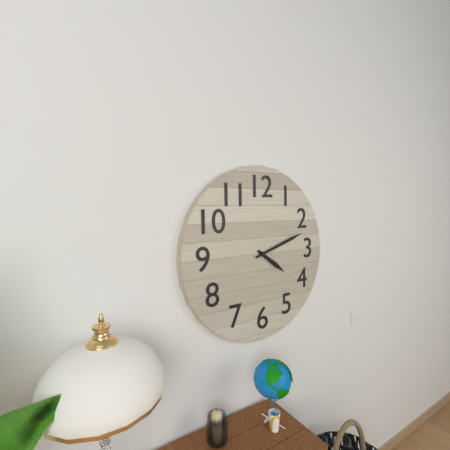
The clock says {"hour": 4, "minute": 12}
